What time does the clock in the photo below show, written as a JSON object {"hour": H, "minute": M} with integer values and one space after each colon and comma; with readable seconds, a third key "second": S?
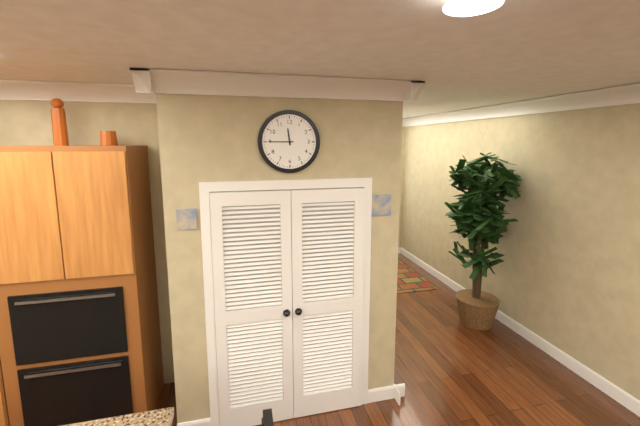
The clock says {"hour": 11, "minute": 45}
